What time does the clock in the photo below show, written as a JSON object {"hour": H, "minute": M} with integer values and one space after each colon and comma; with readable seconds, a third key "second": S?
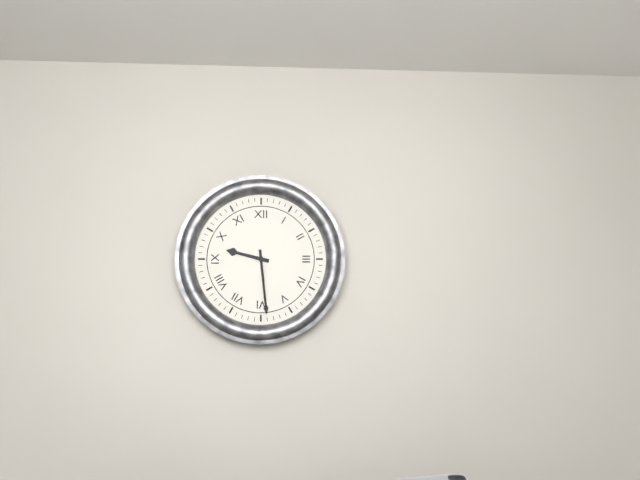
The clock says {"hour": 9, "minute": 29}
